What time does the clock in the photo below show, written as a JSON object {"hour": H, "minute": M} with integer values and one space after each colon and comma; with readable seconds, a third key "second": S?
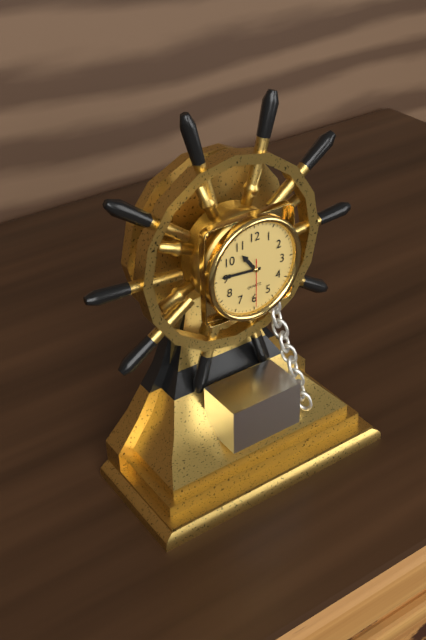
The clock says {"hour": 10, "minute": 46}
